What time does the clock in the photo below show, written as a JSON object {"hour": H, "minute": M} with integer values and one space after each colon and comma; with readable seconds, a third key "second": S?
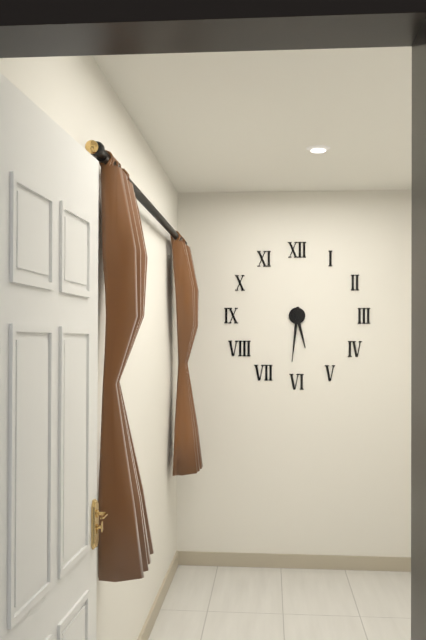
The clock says {"hour": 5, "minute": 31}
